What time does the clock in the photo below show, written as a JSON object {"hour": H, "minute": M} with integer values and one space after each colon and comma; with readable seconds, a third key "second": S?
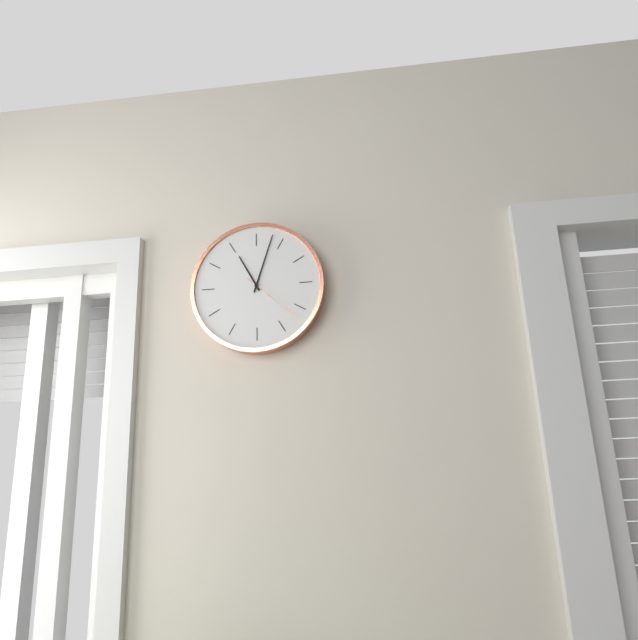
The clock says {"hour": 11, "minute": 3, "second": 22}
